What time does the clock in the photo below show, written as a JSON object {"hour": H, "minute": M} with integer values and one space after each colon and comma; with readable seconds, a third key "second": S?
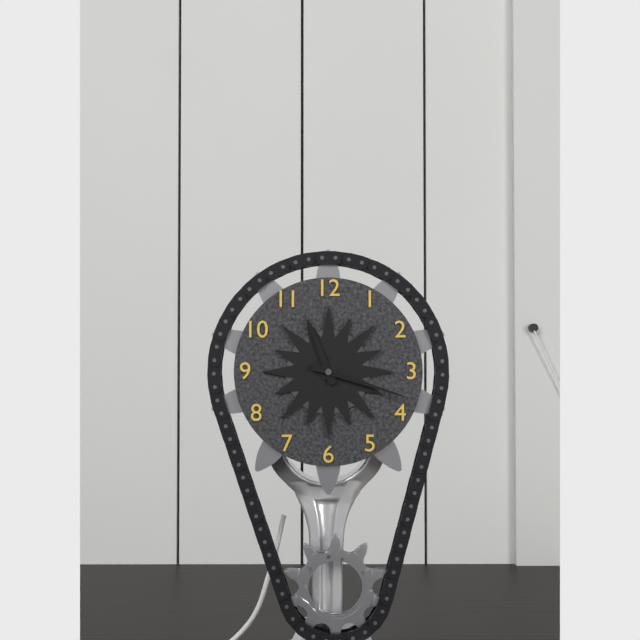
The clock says {"hour": 11, "minute": 18}
